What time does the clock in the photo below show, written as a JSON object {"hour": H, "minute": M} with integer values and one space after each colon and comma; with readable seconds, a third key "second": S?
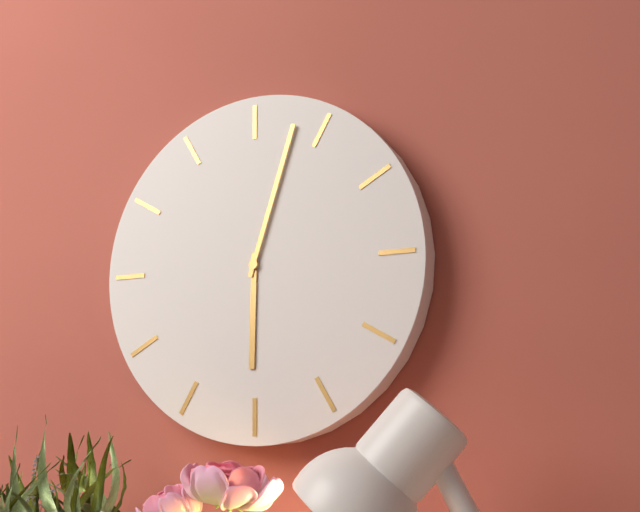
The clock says {"hour": 6, "minute": 3}
